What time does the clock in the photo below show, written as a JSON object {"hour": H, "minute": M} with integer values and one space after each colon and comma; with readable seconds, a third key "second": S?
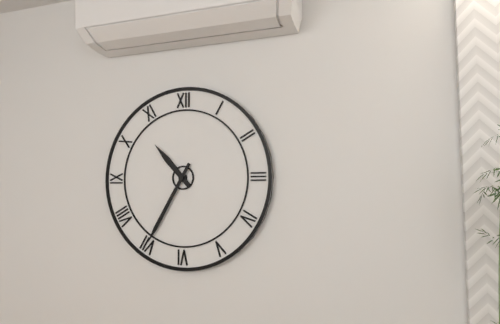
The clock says {"hour": 10, "minute": 35}
